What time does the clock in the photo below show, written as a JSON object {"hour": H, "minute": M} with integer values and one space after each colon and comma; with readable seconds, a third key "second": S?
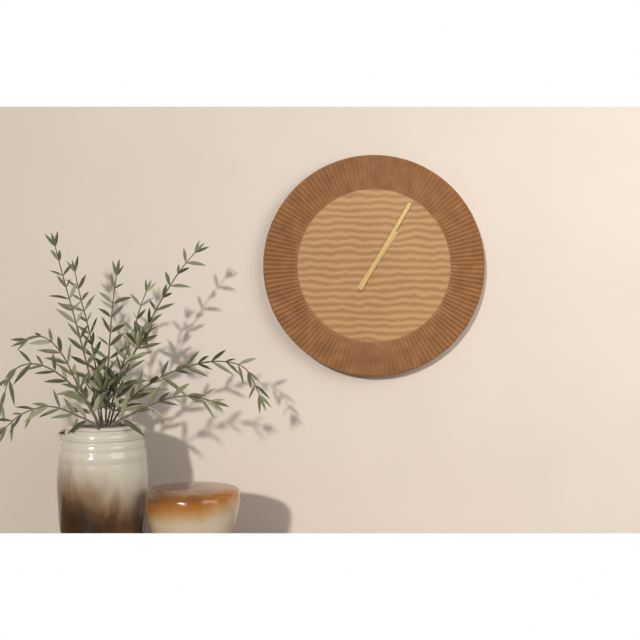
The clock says {"hour": 1, "minute": 5}
